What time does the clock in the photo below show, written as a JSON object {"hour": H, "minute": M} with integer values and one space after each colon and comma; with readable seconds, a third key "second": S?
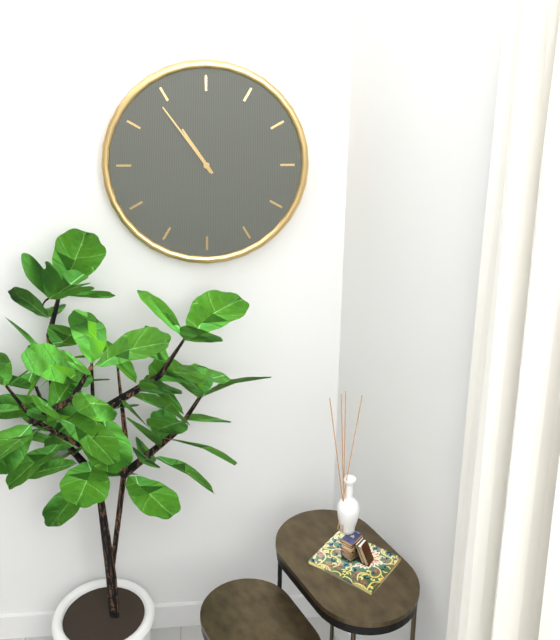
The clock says {"hour": 10, "minute": 54}
